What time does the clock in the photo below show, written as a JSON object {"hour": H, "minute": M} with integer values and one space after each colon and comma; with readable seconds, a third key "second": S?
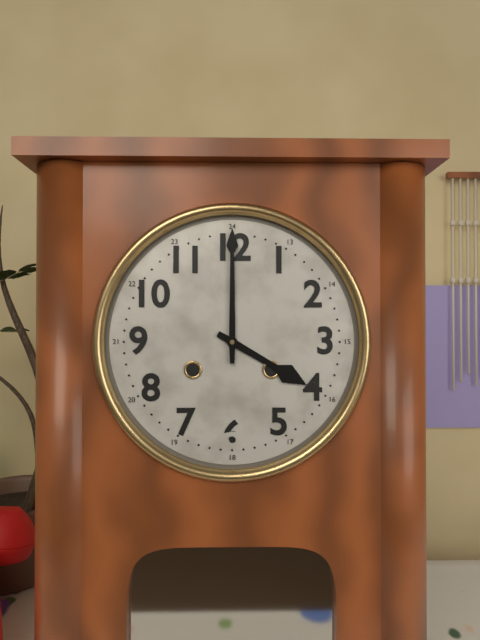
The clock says {"hour": 4, "minute": 0}
